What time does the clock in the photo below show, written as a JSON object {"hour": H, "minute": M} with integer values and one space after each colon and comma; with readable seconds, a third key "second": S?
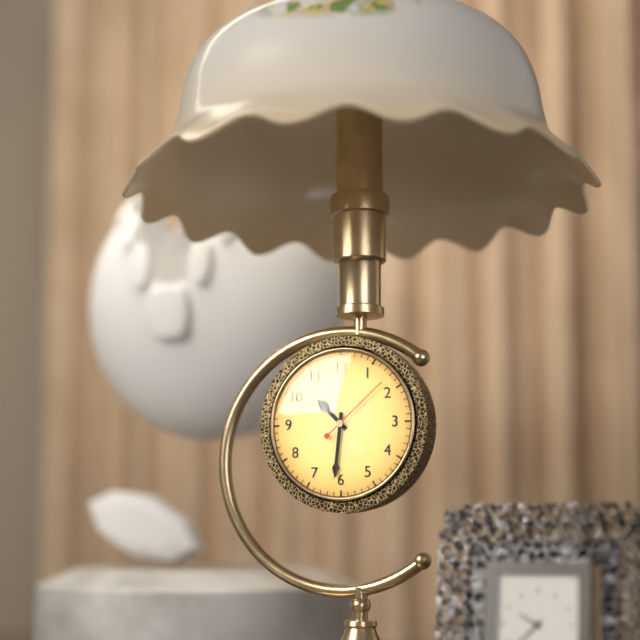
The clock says {"hour": 10, "minute": 31, "second": 8}
